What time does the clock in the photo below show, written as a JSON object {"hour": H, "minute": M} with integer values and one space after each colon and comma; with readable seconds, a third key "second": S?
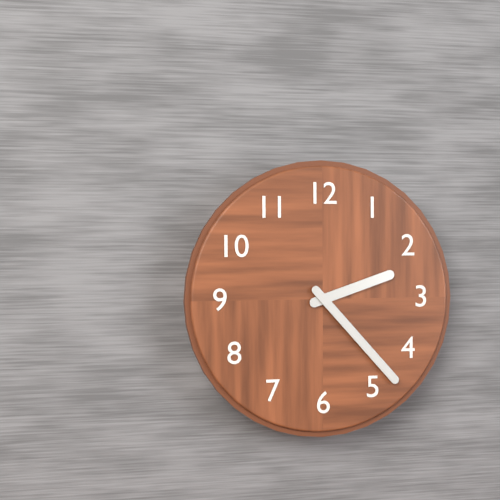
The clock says {"hour": 2, "minute": 23}
